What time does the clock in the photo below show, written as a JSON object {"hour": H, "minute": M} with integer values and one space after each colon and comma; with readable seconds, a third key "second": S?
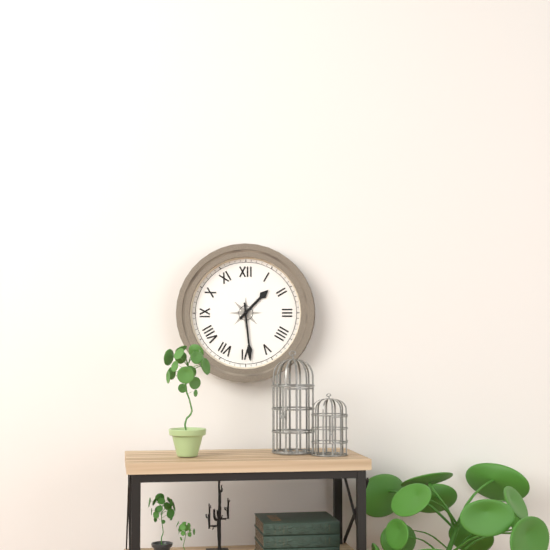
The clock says {"hour": 1, "minute": 29}
